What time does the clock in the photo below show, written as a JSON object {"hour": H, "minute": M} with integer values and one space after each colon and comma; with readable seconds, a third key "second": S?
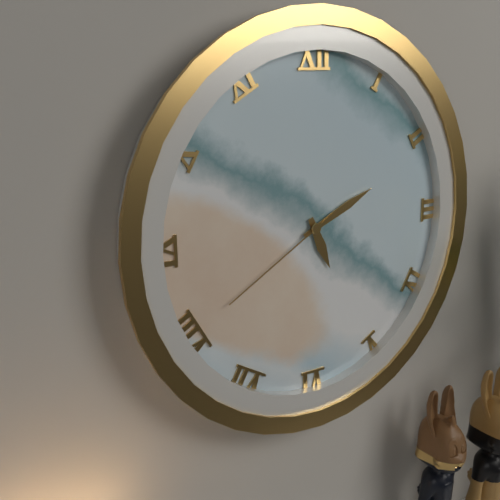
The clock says {"hour": 5, "minute": 11, "second": 40}
